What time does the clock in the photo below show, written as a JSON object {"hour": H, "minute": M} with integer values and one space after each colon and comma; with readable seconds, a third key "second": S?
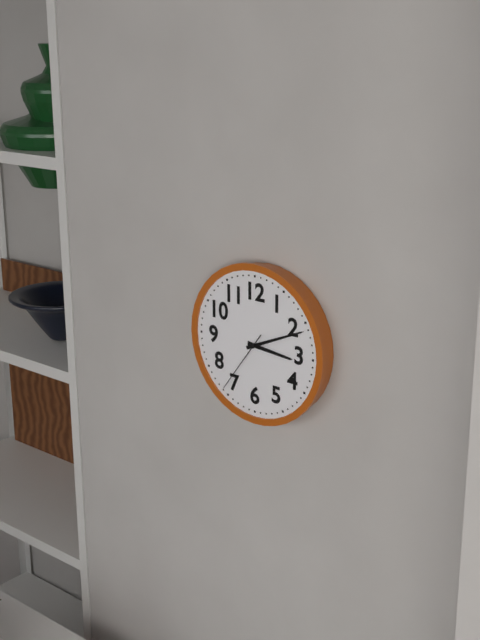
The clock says {"hour": 3, "minute": 11, "second": 36}
